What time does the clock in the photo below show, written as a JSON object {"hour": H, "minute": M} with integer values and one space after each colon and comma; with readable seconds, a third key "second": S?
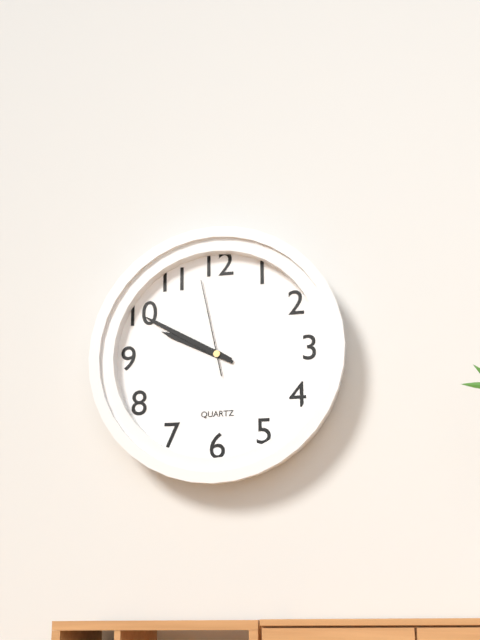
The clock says {"hour": 9, "minute": 50, "second": 58}
